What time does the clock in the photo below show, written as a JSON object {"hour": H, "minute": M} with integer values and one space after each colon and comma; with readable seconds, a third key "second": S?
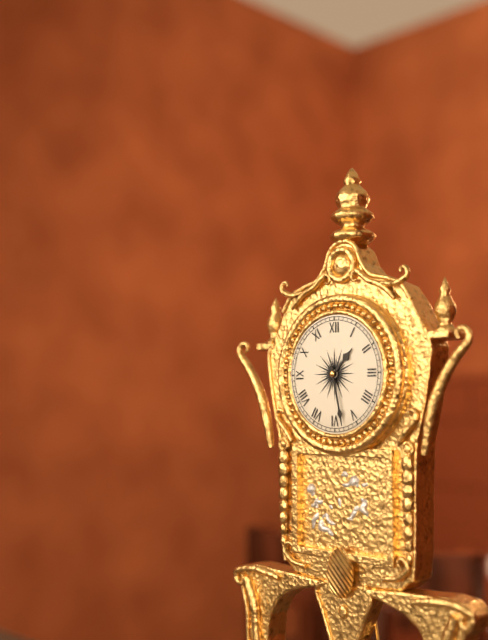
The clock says {"hour": 1, "minute": 28}
